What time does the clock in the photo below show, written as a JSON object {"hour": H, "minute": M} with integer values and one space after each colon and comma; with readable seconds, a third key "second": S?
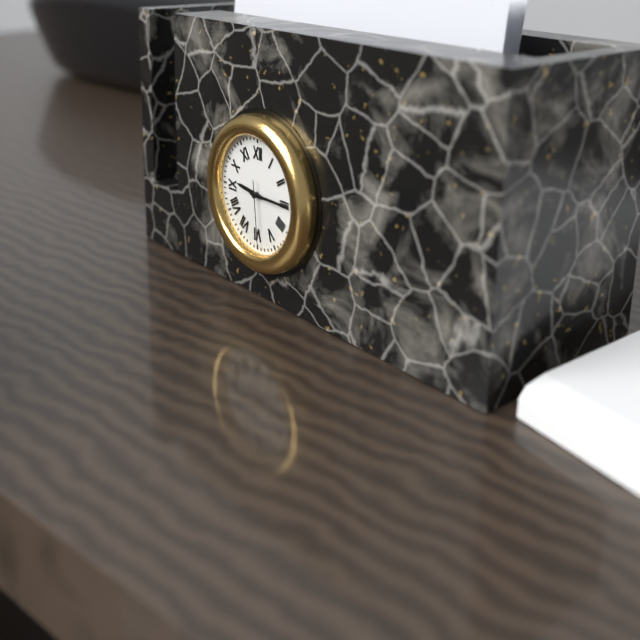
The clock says {"hour": 9, "minute": 15, "second": 29}
